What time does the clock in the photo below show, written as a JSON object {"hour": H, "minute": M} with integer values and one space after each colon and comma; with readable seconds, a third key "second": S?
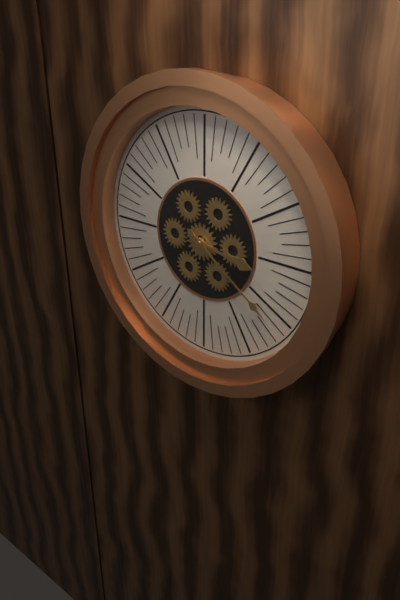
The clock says {"hour": 3, "minute": 21}
